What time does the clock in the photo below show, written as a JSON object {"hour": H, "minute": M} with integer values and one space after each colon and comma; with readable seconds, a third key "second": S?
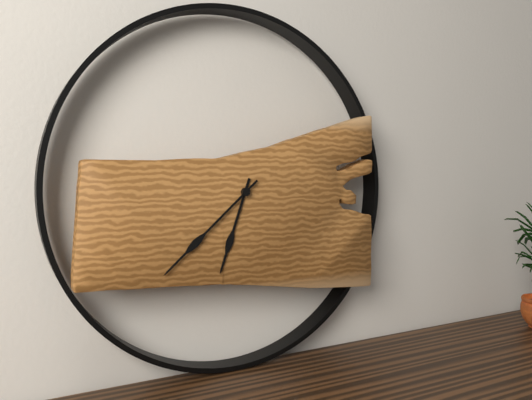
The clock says {"hour": 6, "minute": 38}
